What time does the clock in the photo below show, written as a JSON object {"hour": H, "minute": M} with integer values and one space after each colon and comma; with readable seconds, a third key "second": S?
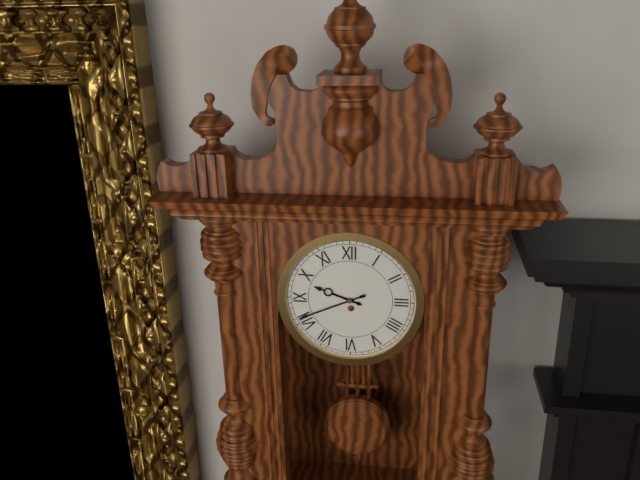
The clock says {"hour": 9, "minute": 41}
